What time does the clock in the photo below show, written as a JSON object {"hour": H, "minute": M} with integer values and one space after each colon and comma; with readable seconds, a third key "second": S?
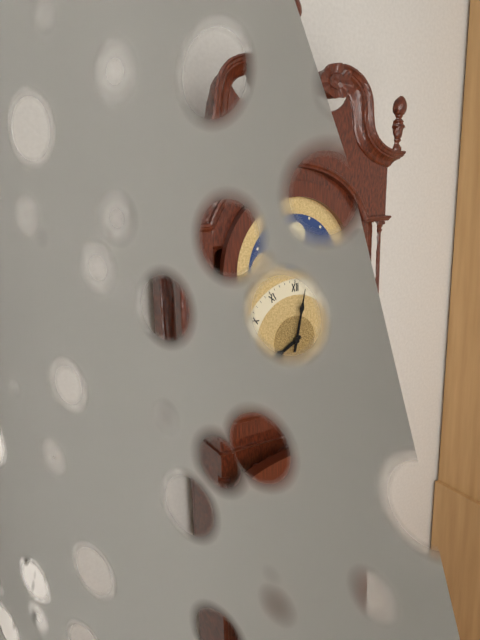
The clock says {"hour": 8, "minute": 2}
